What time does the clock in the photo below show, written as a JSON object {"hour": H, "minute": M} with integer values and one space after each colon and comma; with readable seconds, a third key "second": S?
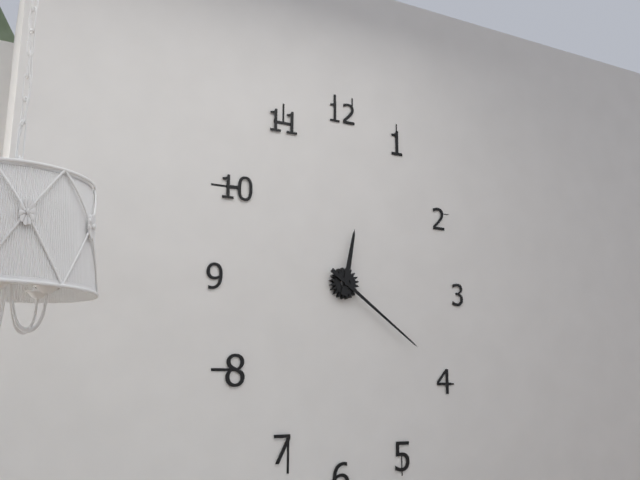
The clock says {"hour": 12, "minute": 21}
